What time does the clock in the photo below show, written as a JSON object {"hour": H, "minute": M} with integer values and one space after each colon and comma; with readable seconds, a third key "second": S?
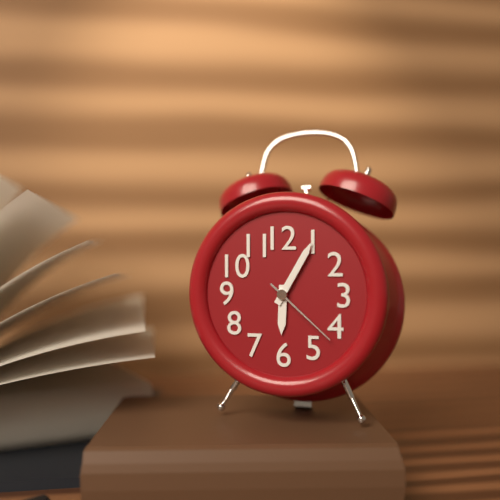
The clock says {"hour": 6, "minute": 5, "second": 22}
